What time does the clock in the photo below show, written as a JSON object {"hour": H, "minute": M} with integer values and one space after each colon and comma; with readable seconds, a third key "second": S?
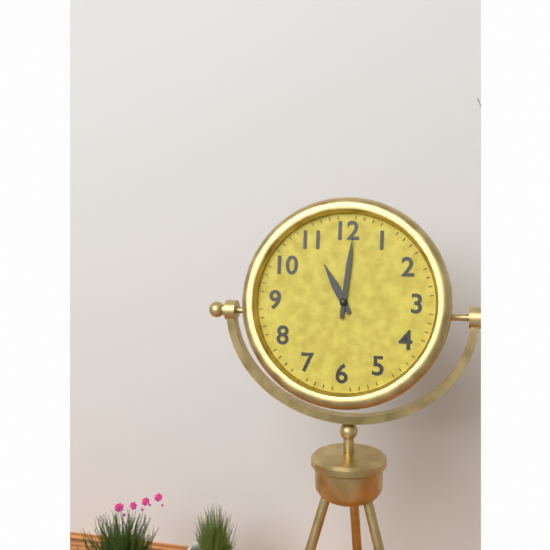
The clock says {"hour": 11, "minute": 1}
